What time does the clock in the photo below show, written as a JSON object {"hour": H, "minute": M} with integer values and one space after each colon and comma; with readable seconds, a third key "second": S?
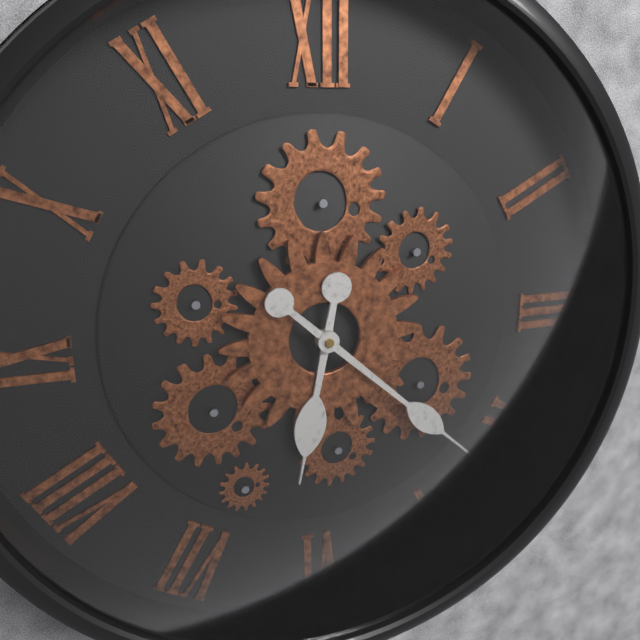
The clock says {"hour": 6, "minute": 22}
